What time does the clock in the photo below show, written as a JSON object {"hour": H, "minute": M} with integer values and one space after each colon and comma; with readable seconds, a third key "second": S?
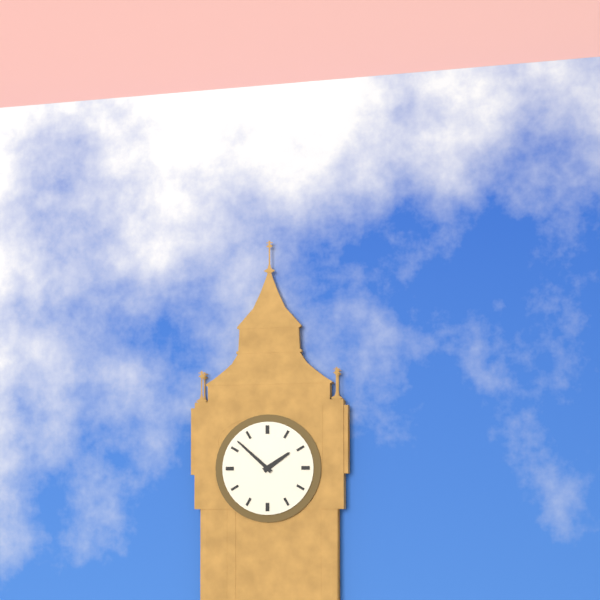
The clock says {"hour": 1, "minute": 52}
